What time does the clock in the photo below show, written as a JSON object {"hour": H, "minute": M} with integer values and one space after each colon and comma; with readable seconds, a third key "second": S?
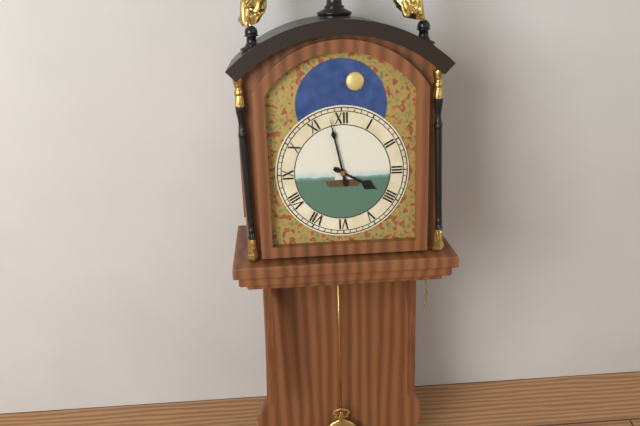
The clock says {"hour": 3, "minute": 58}
